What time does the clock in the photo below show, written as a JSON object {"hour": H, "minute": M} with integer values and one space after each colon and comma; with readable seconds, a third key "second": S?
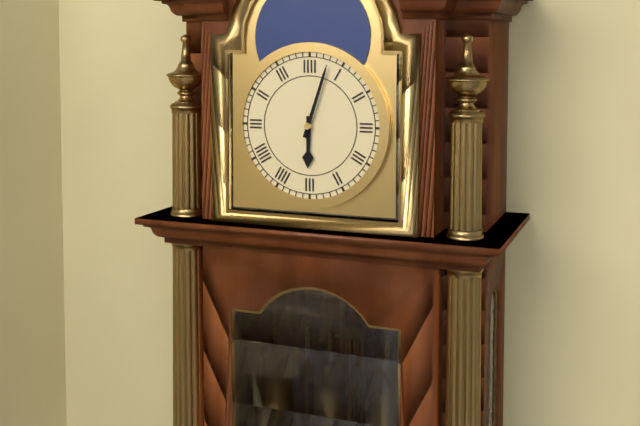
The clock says {"hour": 6, "minute": 3}
